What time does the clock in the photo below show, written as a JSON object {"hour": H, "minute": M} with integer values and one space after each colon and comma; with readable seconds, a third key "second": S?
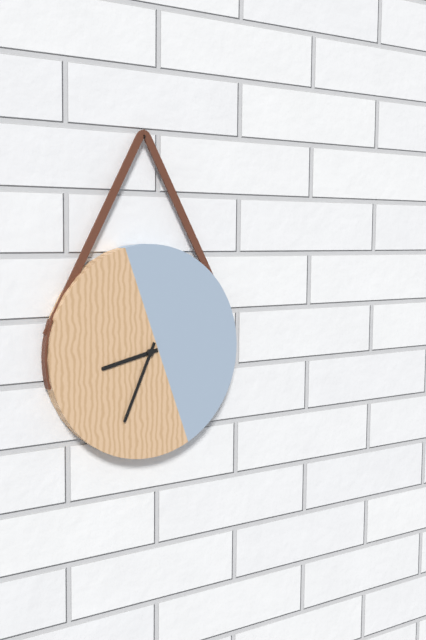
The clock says {"hour": 8, "minute": 34}
